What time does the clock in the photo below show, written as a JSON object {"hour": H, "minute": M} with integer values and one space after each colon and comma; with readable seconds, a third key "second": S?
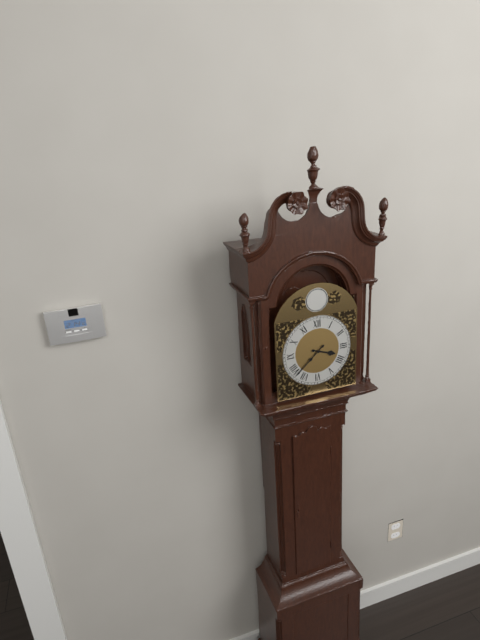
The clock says {"hour": 3, "minute": 38}
